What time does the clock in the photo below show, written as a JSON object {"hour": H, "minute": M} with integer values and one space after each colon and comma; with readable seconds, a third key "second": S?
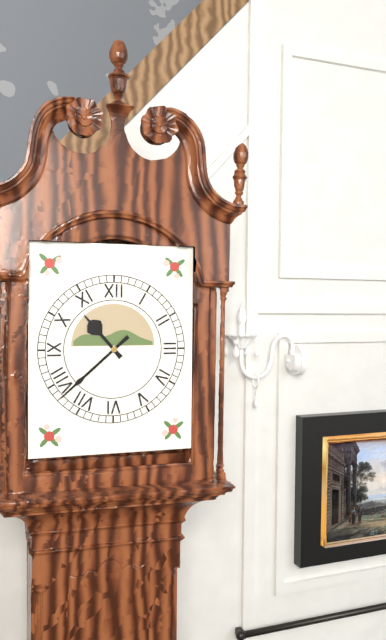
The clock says {"hour": 10, "minute": 38}
